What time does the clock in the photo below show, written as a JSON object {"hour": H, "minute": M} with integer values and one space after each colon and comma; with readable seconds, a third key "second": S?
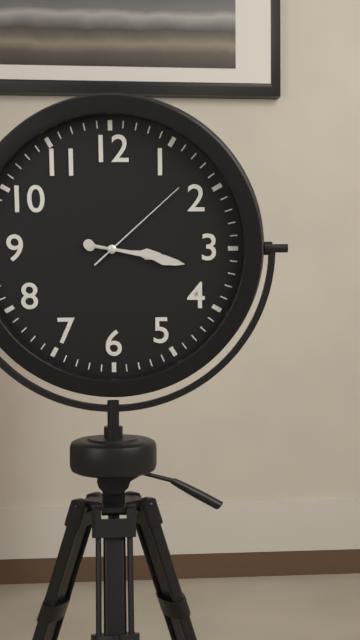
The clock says {"hour": 3, "minute": 17, "second": 8}
